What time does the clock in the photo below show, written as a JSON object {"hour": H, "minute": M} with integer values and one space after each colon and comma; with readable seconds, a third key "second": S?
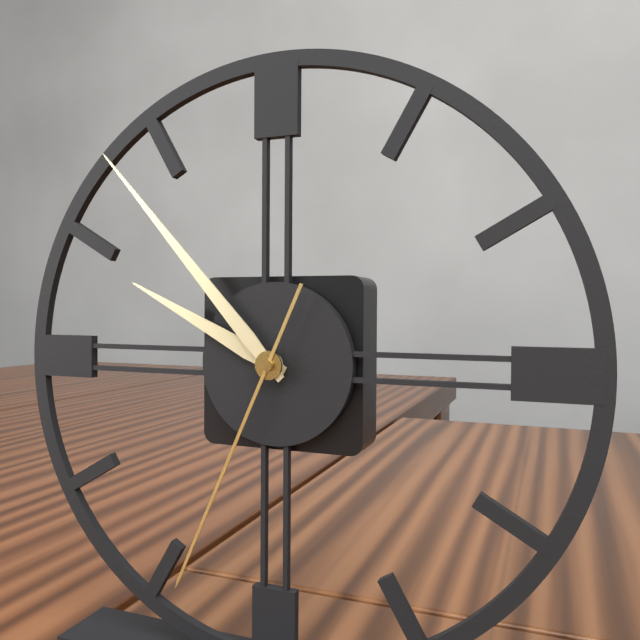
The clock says {"hour": 9, "minute": 53, "second": 34}
